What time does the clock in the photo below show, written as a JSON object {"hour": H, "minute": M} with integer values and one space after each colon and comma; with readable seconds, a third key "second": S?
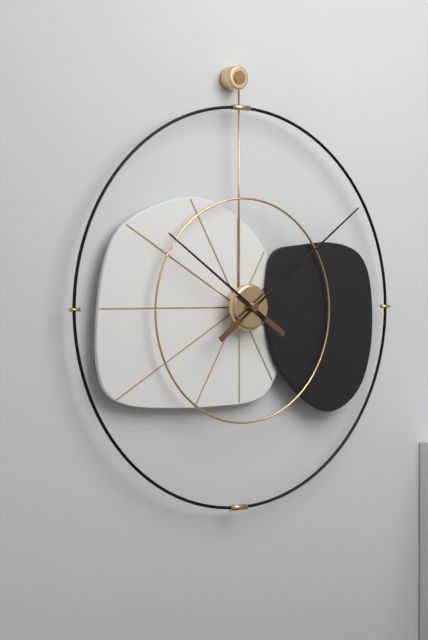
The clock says {"hour": 10, "minute": 9}
